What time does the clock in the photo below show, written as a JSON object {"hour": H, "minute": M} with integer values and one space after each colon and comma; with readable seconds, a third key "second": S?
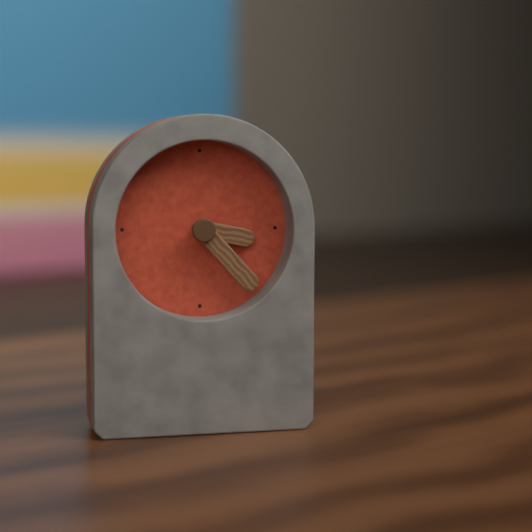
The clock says {"hour": 3, "minute": 23}
